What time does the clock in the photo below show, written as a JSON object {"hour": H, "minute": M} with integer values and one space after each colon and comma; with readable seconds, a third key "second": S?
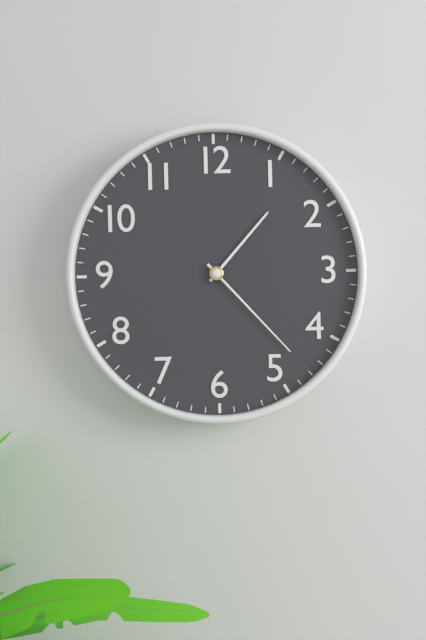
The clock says {"hour": 1, "minute": 23}
